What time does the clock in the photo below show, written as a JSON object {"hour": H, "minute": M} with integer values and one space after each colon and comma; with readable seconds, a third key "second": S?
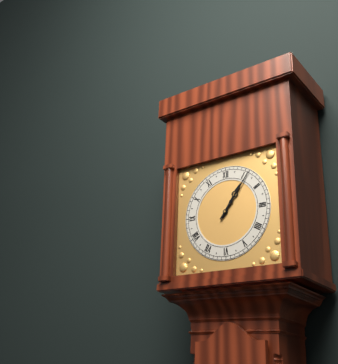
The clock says {"hour": 1, "minute": 6}
